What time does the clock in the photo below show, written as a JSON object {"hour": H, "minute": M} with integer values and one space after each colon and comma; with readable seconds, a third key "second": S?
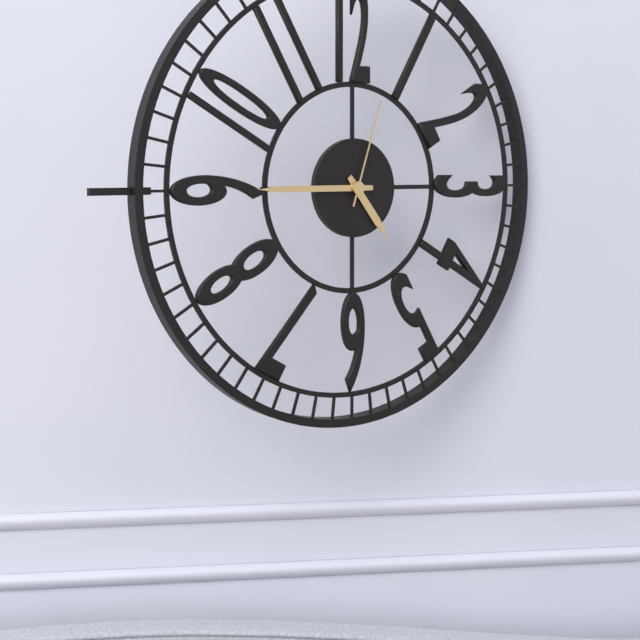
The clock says {"hour": 4, "minute": 45, "second": 3}
